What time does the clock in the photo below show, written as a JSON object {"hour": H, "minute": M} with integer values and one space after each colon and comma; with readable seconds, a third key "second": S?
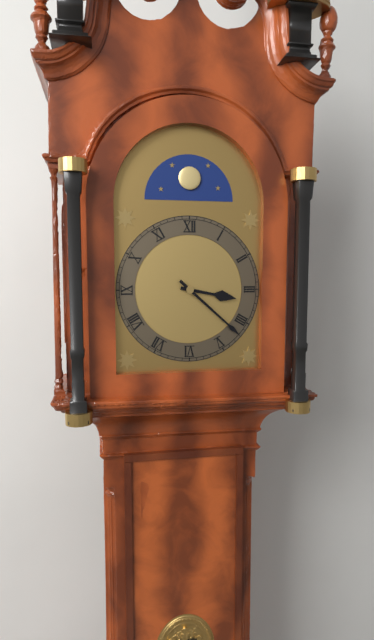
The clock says {"hour": 3, "minute": 22}
